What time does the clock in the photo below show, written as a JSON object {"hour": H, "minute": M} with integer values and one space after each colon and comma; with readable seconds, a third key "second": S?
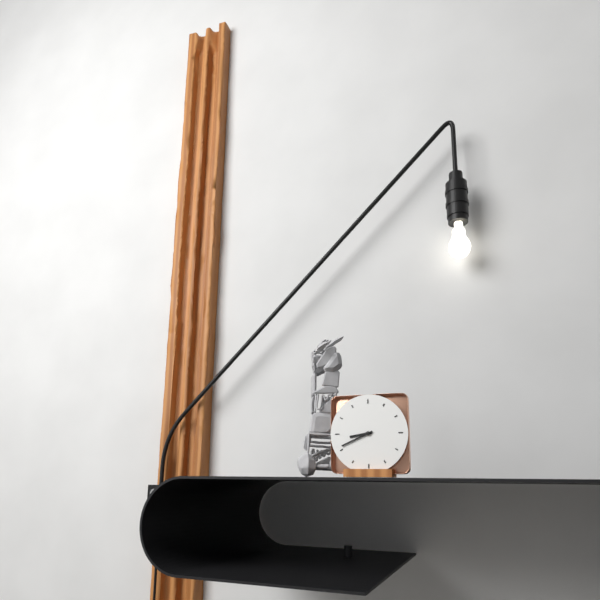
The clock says {"hour": 8, "minute": 41}
